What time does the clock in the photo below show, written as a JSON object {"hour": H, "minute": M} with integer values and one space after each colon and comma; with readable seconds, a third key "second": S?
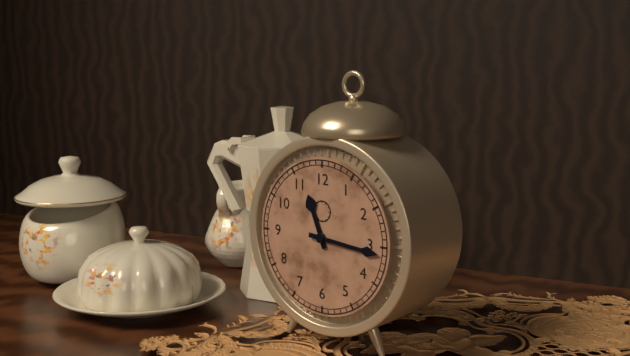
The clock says {"hour": 11, "minute": 16}
